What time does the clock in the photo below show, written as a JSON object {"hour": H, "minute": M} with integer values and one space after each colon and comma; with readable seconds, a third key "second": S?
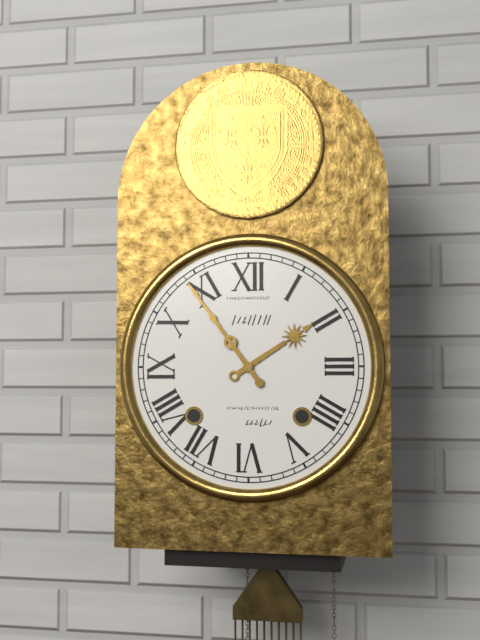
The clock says {"hour": 1, "minute": 54}
